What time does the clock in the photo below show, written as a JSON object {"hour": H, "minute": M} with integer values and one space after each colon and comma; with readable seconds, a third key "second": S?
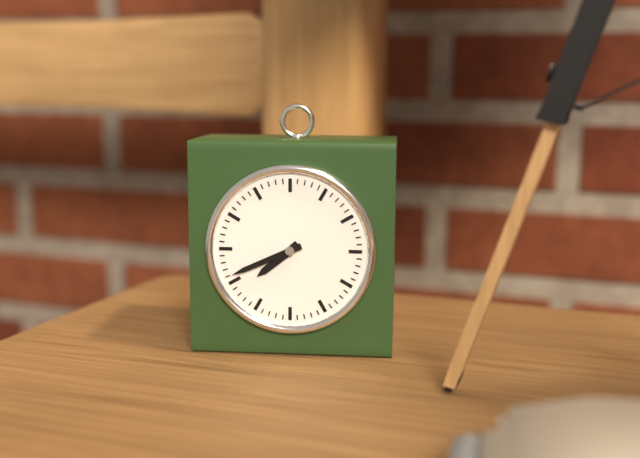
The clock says {"hour": 7, "minute": 41}
